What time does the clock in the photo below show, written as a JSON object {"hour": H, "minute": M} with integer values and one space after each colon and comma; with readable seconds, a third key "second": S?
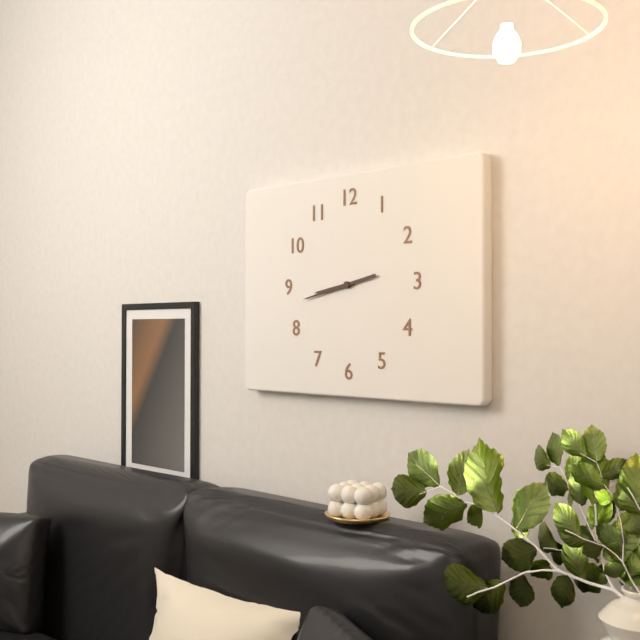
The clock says {"hour": 8, "minute": 43}
